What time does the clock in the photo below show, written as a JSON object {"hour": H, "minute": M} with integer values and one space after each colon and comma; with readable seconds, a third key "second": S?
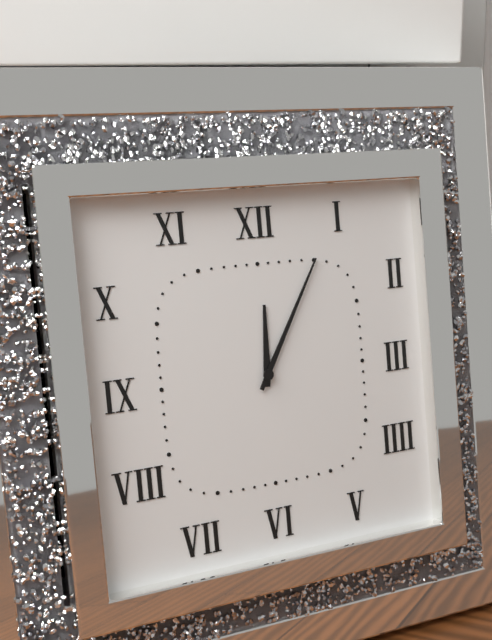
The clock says {"hour": 12, "minute": 5}
